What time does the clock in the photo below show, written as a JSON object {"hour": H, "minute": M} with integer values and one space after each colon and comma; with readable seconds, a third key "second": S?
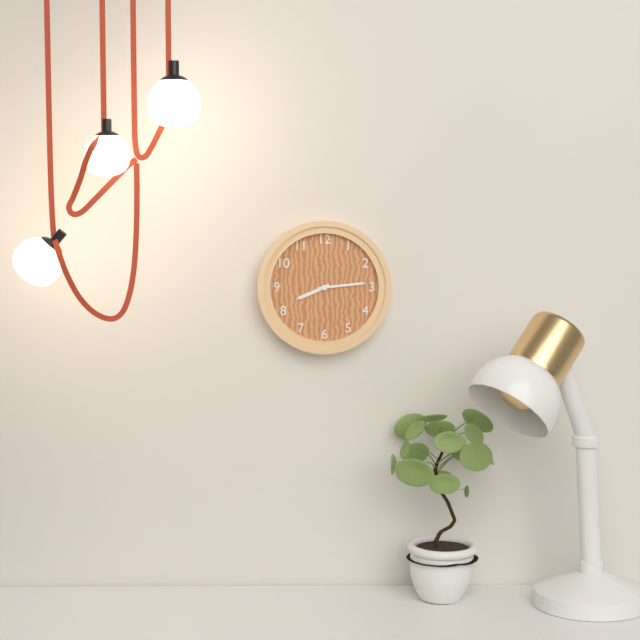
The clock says {"hour": 8, "minute": 14}
